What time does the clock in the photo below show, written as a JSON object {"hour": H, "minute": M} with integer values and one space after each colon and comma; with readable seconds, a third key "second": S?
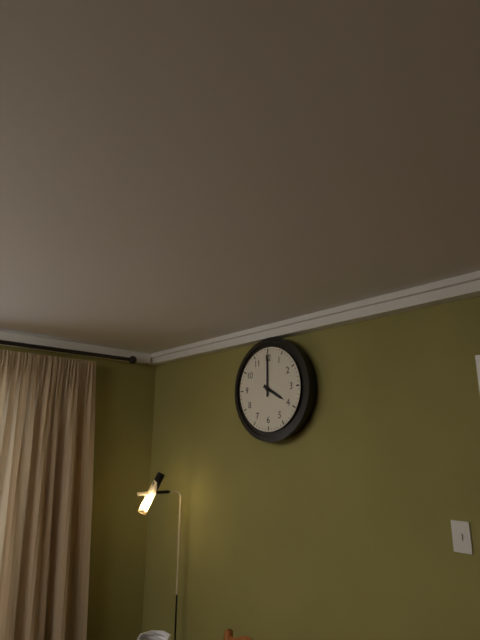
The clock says {"hour": 4, "minute": 0}
